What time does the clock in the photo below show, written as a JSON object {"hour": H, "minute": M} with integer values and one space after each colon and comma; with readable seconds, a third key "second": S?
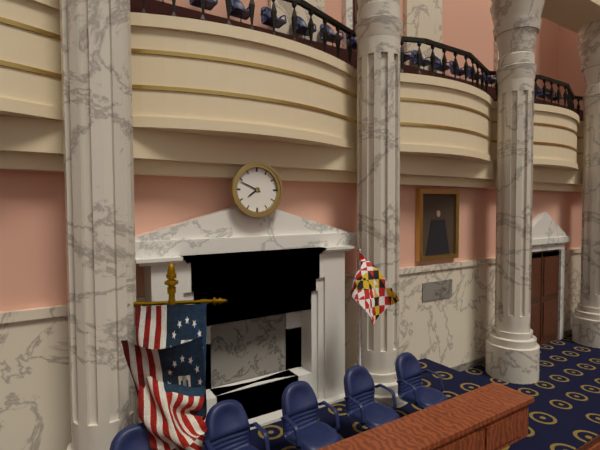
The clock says {"hour": 7, "minute": 49}
